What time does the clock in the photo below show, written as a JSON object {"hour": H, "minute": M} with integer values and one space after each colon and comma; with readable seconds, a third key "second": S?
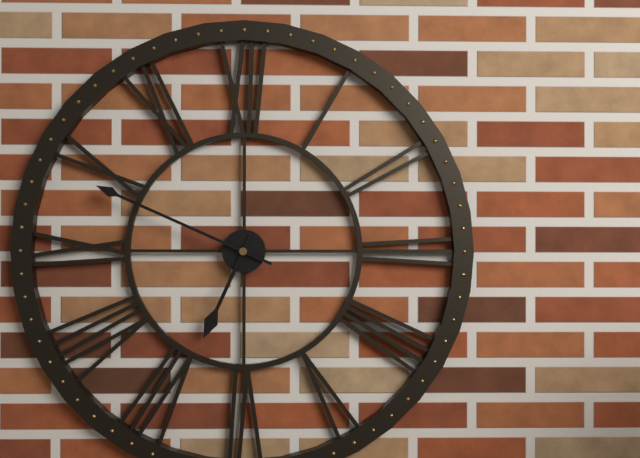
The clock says {"hour": 6, "minute": 49}
